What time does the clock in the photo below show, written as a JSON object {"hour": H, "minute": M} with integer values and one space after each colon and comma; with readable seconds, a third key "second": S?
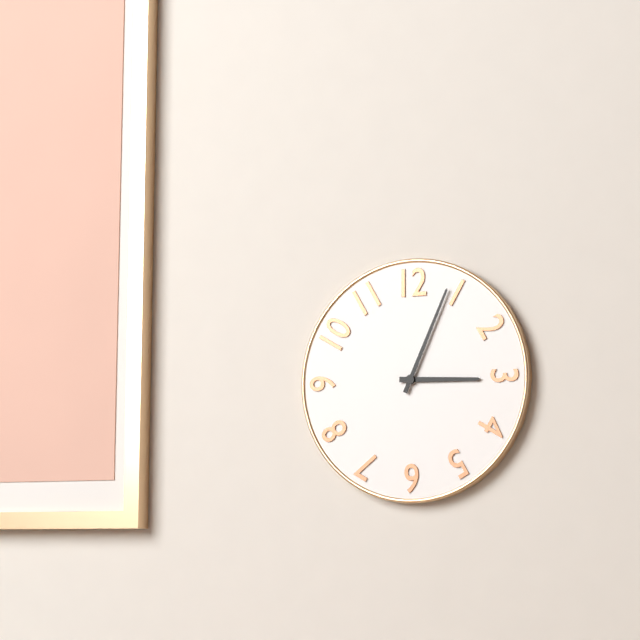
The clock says {"hour": 3, "minute": 4}
